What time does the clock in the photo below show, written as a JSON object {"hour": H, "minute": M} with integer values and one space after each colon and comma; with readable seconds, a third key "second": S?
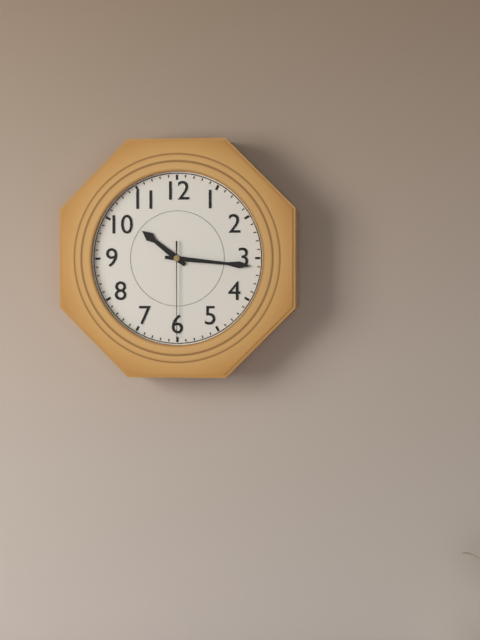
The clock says {"hour": 10, "minute": 16, "second": 30}
